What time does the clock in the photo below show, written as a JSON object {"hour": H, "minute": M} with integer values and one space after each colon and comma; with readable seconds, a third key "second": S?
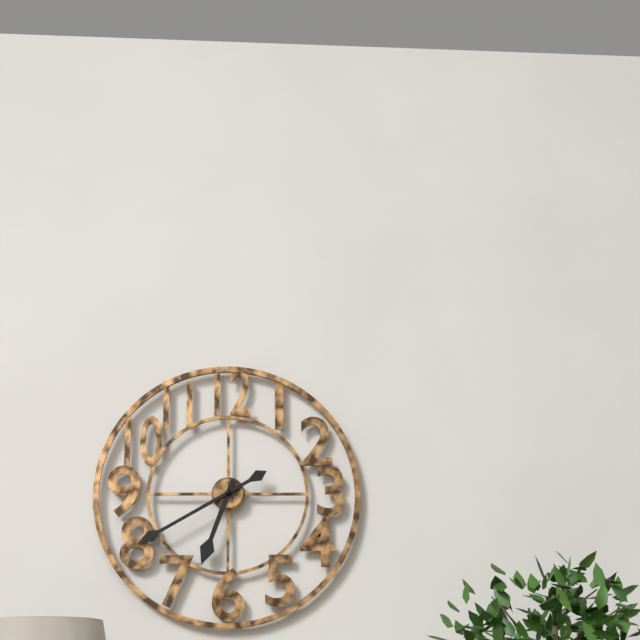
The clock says {"hour": 6, "minute": 40}
